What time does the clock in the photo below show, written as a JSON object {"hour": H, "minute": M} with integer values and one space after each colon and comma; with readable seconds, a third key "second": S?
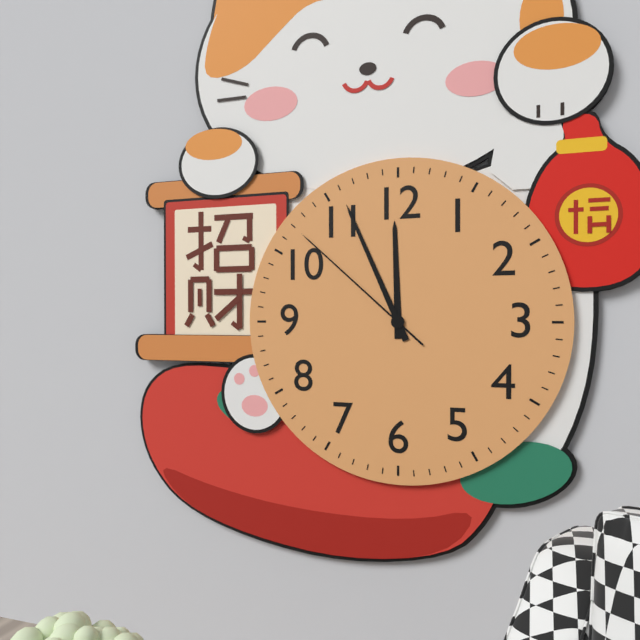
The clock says {"hour": 11, "minute": 56, "second": 52}
